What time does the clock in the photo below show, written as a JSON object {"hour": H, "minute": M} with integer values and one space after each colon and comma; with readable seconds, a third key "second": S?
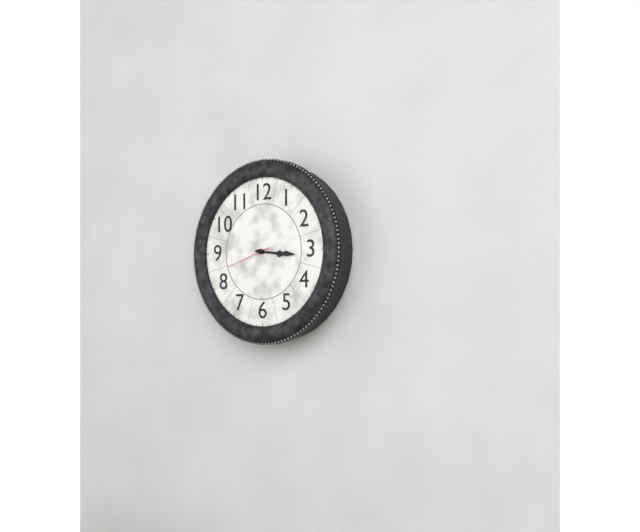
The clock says {"hour": 3, "minute": 16}
